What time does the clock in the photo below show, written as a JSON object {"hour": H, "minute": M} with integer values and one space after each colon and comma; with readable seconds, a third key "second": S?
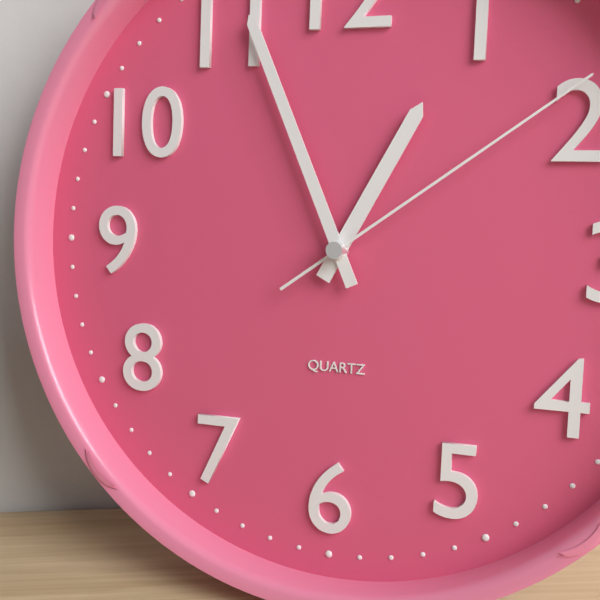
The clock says {"hour": 12, "minute": 56, "second": 9}
